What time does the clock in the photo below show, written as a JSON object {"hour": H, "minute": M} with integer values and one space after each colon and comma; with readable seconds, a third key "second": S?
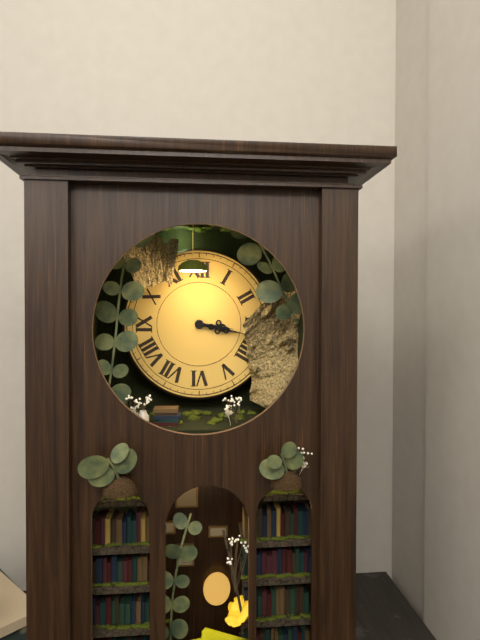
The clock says {"hour": 3, "minute": 17}
